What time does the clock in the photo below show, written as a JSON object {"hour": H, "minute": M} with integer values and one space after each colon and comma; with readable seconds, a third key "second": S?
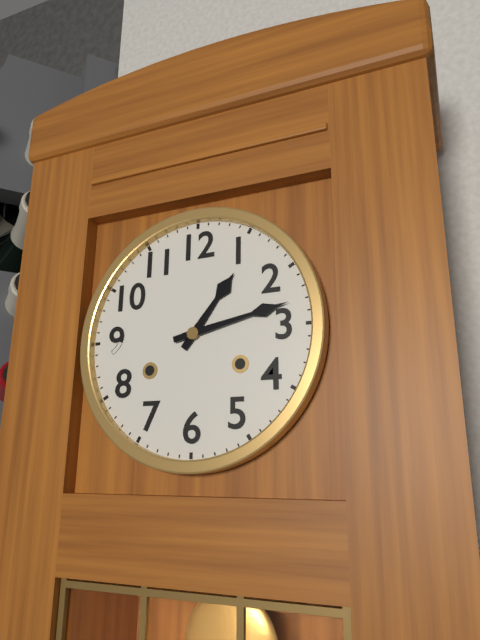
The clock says {"hour": 1, "minute": 13}
